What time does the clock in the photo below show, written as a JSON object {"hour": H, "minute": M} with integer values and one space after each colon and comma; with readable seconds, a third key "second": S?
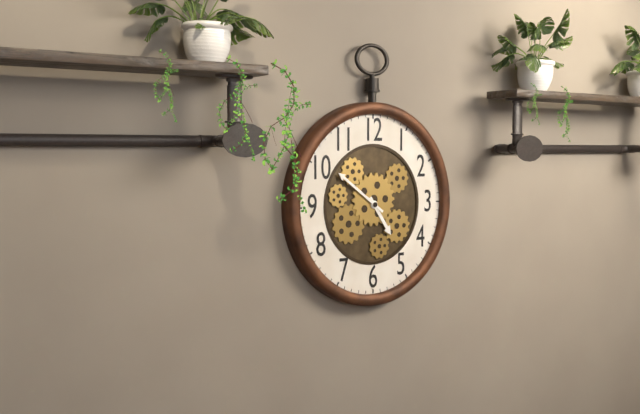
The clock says {"hour": 4, "minute": 51}
